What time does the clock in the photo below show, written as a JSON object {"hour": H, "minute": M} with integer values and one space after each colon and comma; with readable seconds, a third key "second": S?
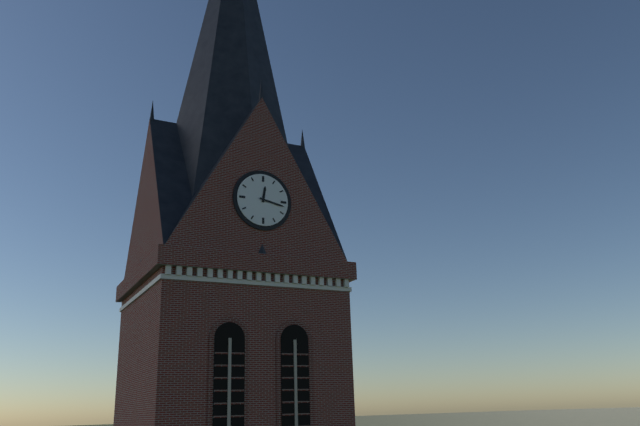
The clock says {"hour": 12, "minute": 17}
